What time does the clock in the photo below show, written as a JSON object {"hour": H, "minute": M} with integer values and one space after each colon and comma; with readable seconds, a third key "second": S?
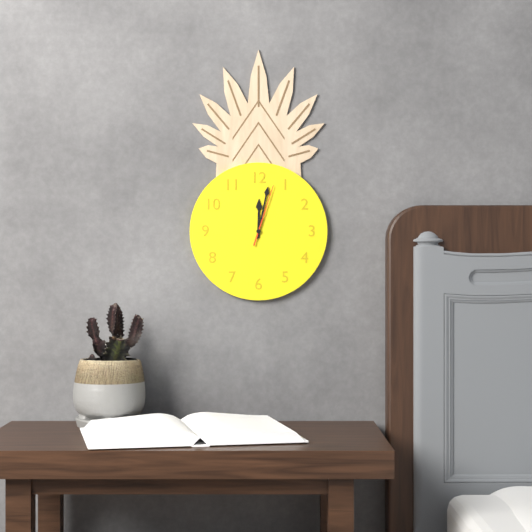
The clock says {"hour": 12, "minute": 2, "second": 3}
